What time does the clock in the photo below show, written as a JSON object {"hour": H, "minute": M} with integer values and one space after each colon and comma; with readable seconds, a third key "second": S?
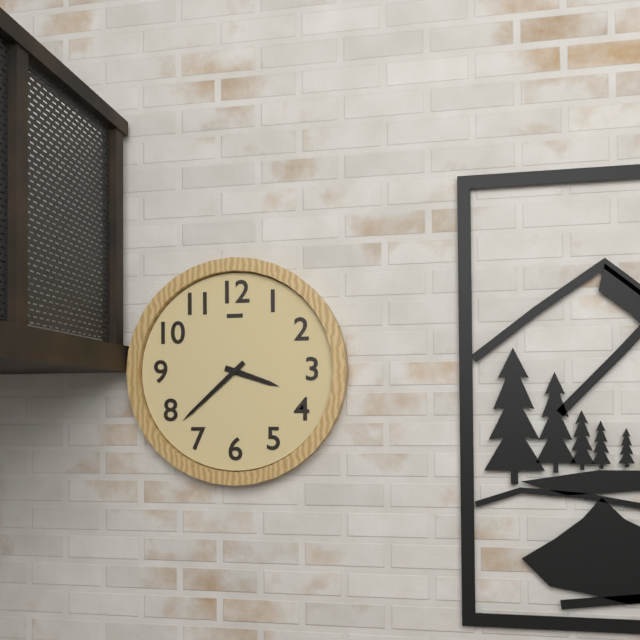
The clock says {"hour": 3, "minute": 38}
